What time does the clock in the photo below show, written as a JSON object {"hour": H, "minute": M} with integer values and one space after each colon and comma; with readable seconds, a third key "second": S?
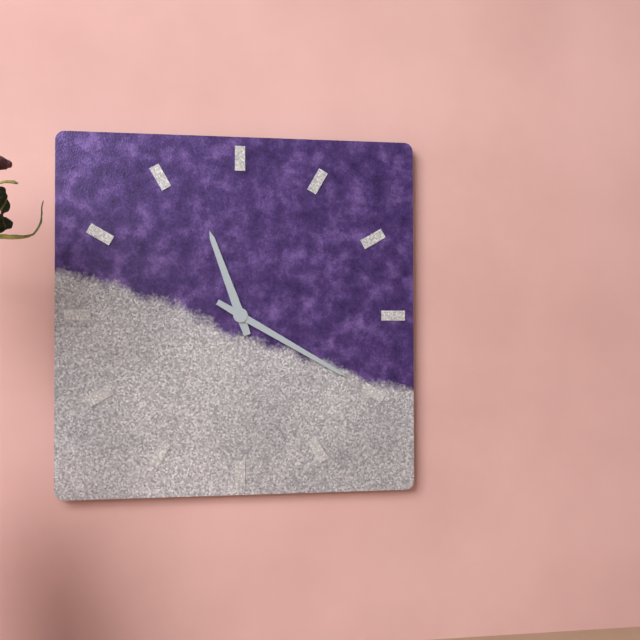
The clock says {"hour": 11, "minute": 20}
